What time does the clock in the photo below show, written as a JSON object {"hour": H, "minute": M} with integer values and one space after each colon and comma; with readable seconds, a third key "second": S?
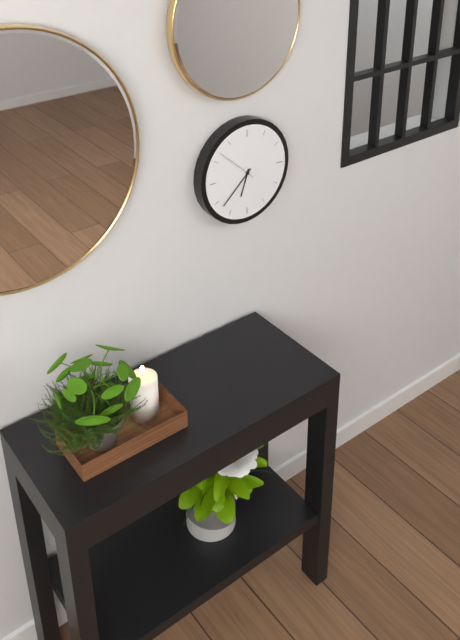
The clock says {"hour": 6, "minute": 38}
